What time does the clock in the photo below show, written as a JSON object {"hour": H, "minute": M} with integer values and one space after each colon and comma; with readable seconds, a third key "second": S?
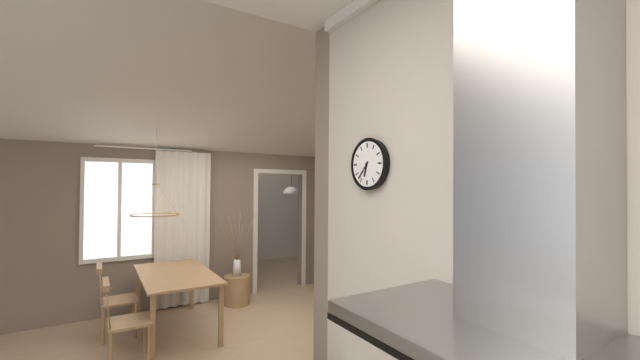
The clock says {"hour": 6, "minute": 37}
